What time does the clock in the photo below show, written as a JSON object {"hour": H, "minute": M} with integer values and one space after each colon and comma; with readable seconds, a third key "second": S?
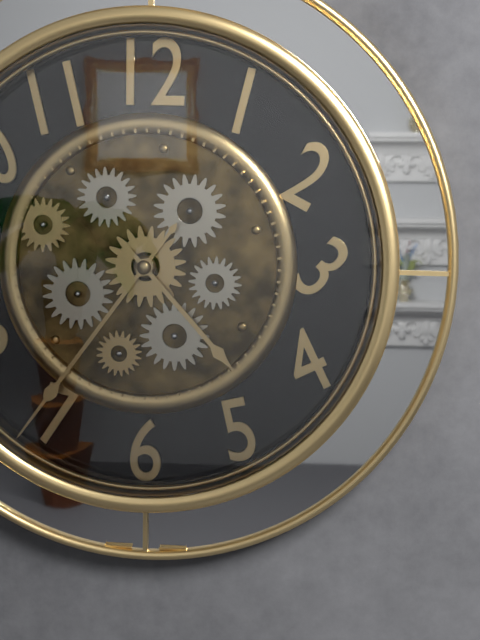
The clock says {"hour": 4, "minute": 36}
